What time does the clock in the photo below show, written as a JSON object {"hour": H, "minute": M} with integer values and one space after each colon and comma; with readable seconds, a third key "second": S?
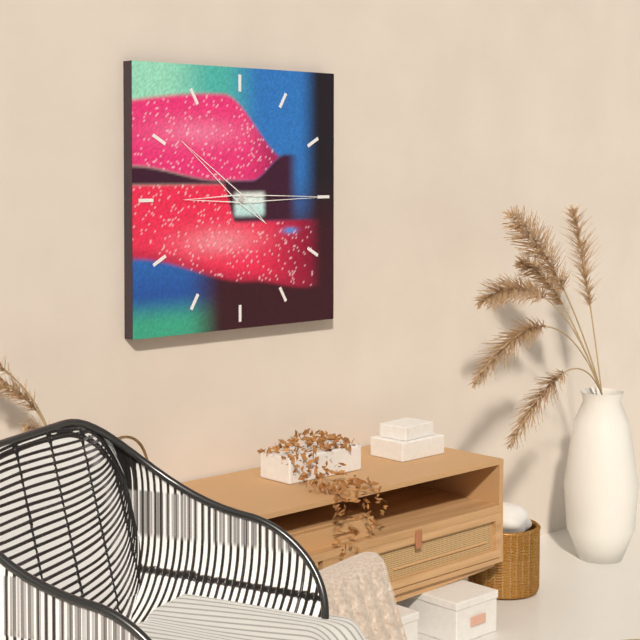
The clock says {"hour": 10, "minute": 15}
